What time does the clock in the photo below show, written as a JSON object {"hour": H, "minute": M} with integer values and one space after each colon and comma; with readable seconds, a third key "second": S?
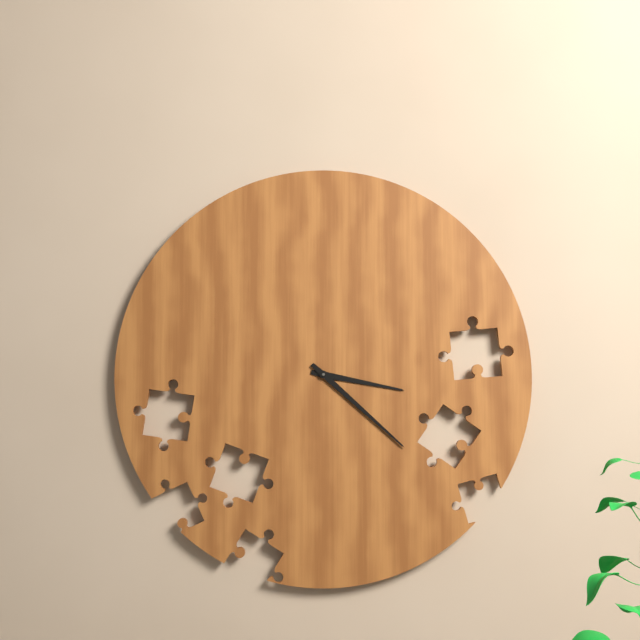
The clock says {"hour": 3, "minute": 22}
